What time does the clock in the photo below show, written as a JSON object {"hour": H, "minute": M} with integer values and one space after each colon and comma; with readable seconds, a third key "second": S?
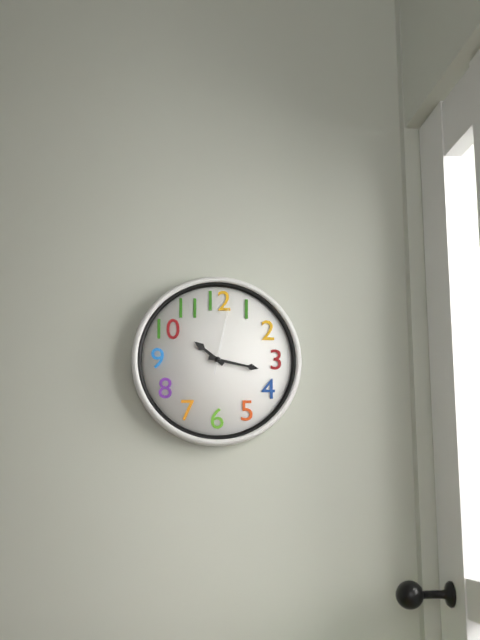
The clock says {"hour": 10, "minute": 17, "second": 2}
